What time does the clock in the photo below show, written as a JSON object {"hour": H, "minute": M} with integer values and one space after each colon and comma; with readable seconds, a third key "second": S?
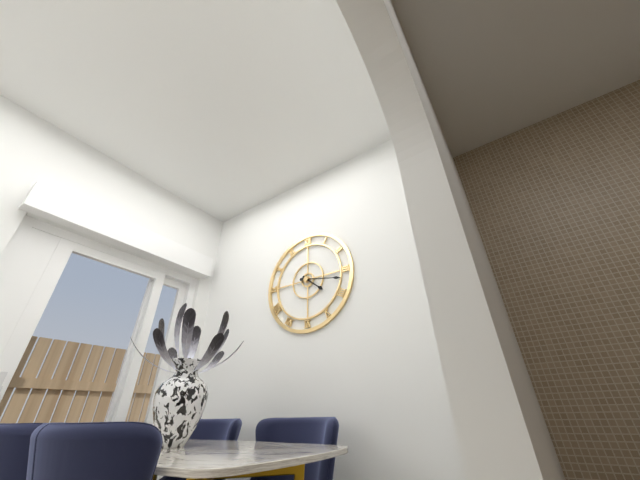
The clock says {"hour": 4, "minute": 17}
